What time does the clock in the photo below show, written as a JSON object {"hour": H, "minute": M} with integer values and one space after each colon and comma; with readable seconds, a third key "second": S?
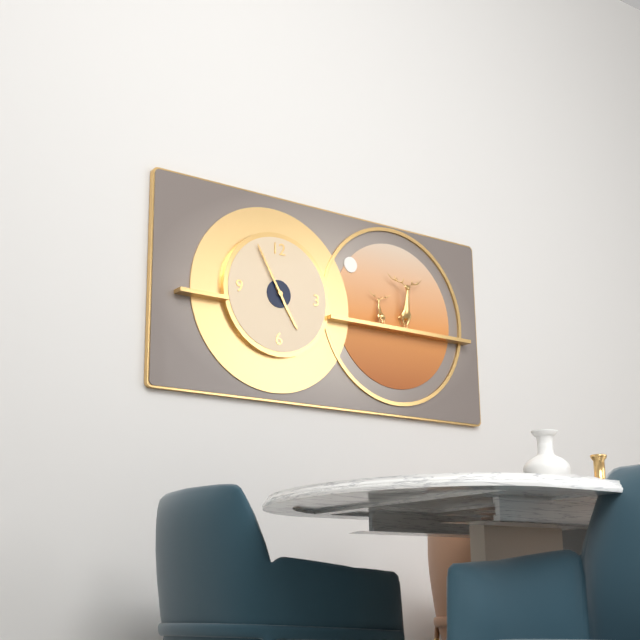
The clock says {"hour": 4, "minute": 55}
